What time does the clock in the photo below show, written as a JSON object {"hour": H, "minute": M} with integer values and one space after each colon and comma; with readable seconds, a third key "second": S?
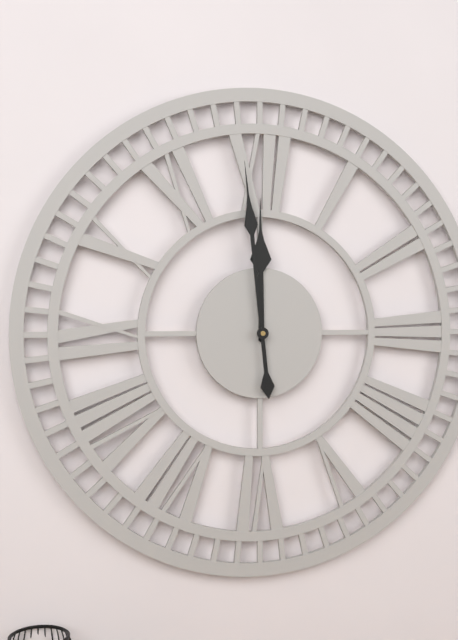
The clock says {"hour": 11, "minute": 59}
